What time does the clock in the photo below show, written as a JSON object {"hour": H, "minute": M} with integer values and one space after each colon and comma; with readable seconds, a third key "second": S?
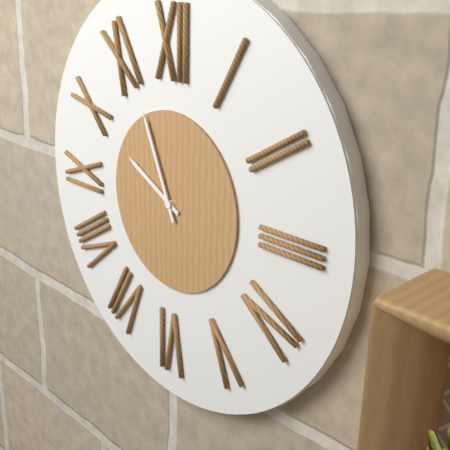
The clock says {"hour": 9, "minute": 56}
